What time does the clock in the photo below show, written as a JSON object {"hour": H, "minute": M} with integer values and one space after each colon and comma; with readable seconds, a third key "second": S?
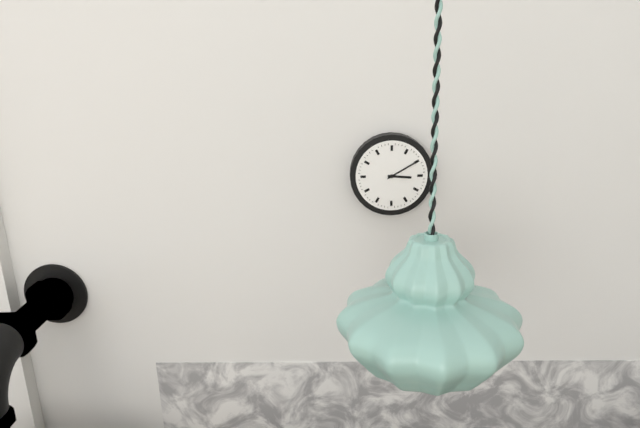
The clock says {"hour": 3, "minute": 10}
